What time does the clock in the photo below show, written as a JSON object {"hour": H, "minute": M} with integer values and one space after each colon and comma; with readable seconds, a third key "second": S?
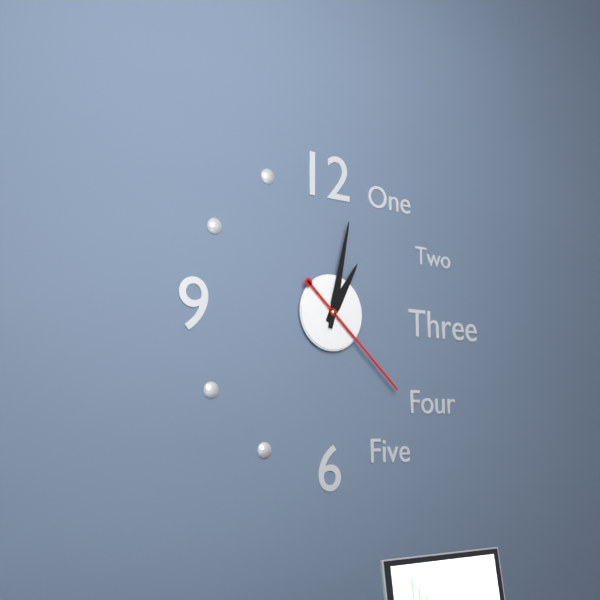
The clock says {"hour": 1, "minute": 2, "second": 22}
